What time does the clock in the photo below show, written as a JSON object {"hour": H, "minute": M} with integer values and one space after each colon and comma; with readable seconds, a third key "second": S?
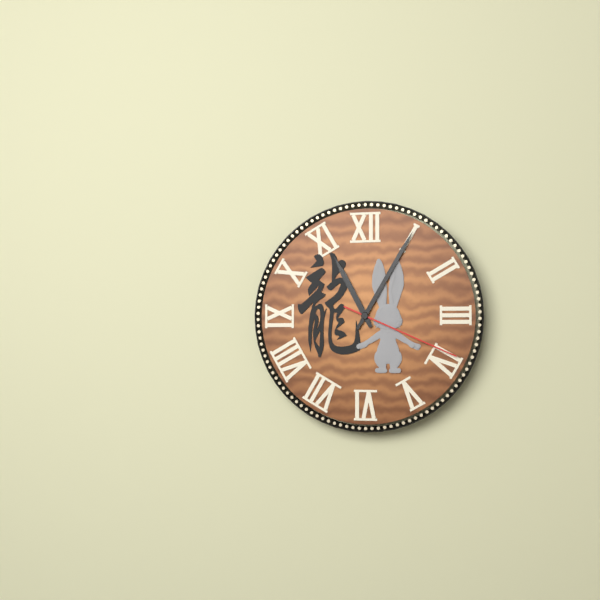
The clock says {"hour": 11, "minute": 5, "second": 19}
